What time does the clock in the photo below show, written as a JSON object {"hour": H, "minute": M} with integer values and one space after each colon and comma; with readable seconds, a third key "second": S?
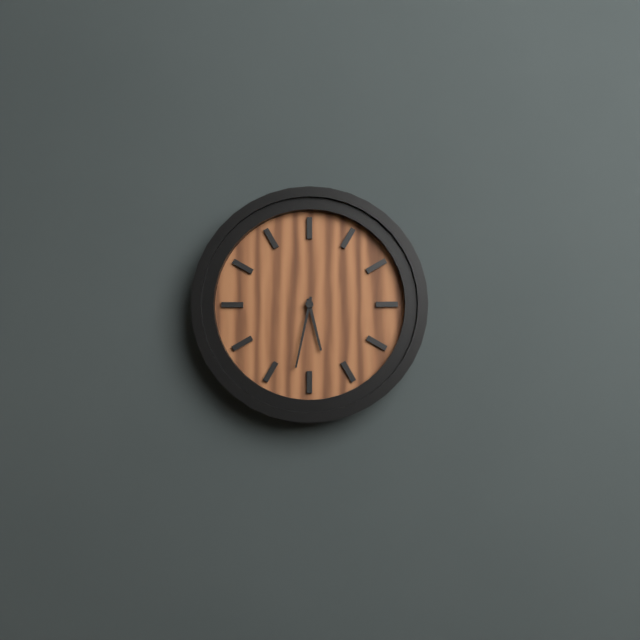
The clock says {"hour": 5, "minute": 32}
